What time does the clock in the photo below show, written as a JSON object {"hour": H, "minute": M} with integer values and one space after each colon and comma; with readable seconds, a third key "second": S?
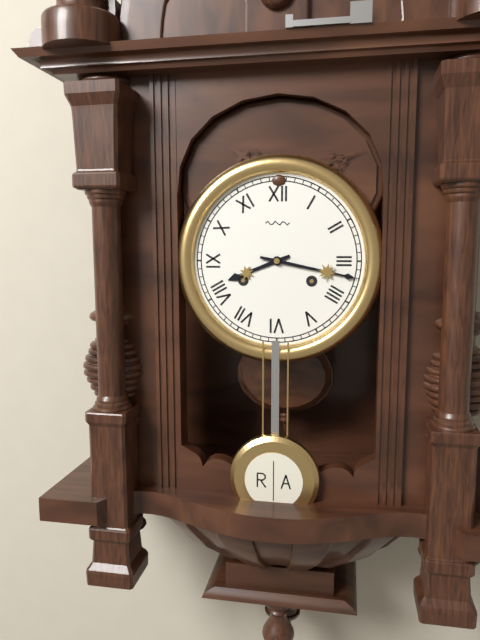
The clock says {"hour": 8, "minute": 17}
